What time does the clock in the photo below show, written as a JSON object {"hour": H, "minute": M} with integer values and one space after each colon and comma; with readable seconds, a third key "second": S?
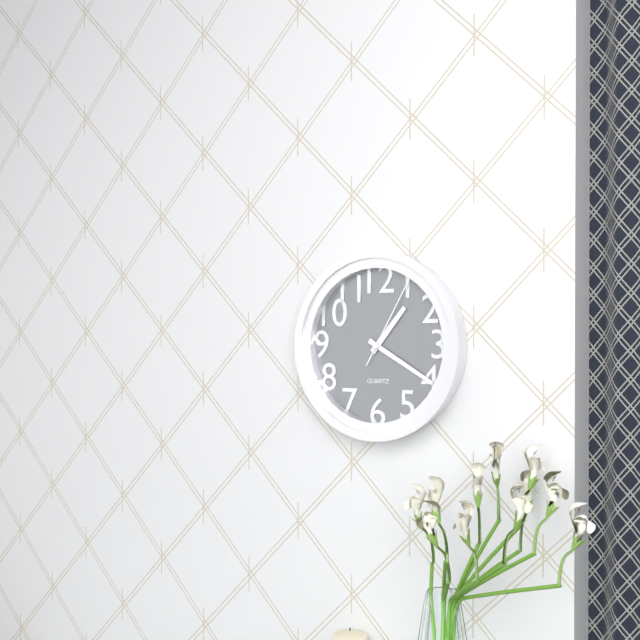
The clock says {"hour": 1, "minute": 20, "second": 5}
